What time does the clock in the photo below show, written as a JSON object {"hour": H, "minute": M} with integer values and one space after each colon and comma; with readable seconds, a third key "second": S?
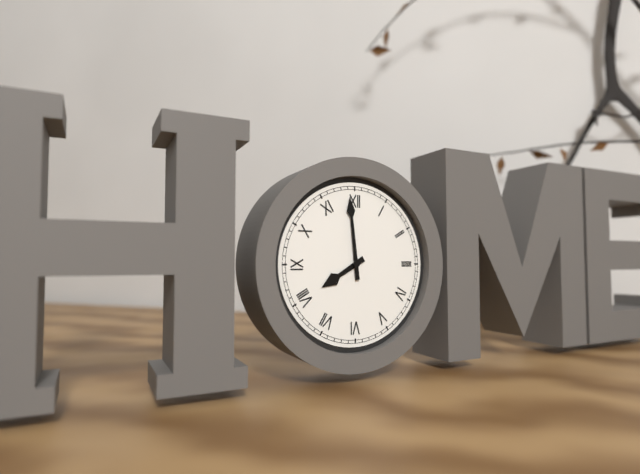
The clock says {"hour": 7, "minute": 59}
